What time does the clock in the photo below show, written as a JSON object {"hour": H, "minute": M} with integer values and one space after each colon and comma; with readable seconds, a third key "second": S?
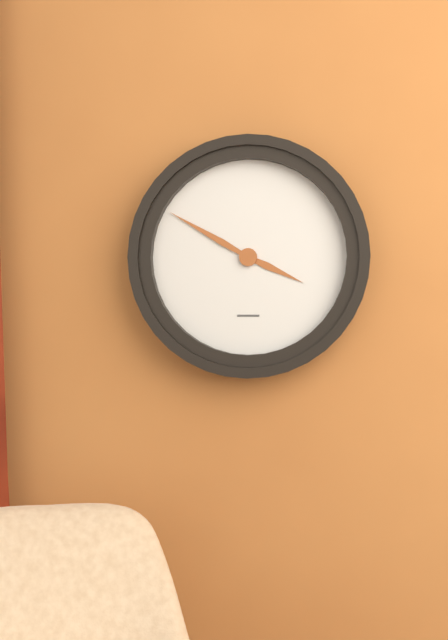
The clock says {"hour": 3, "minute": 50}
